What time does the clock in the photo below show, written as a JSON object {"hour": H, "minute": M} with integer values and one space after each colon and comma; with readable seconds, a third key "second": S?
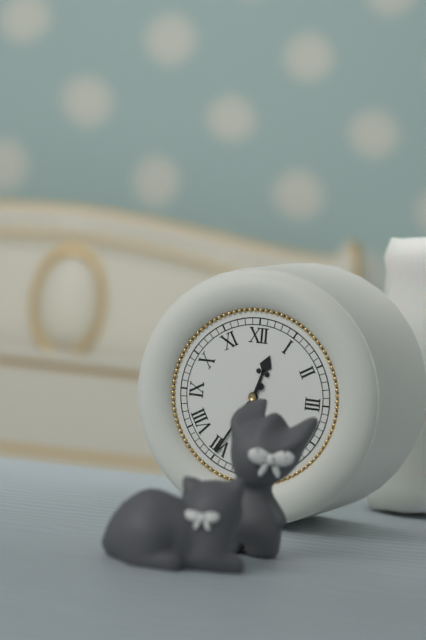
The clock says {"hour": 12, "minute": 35}
